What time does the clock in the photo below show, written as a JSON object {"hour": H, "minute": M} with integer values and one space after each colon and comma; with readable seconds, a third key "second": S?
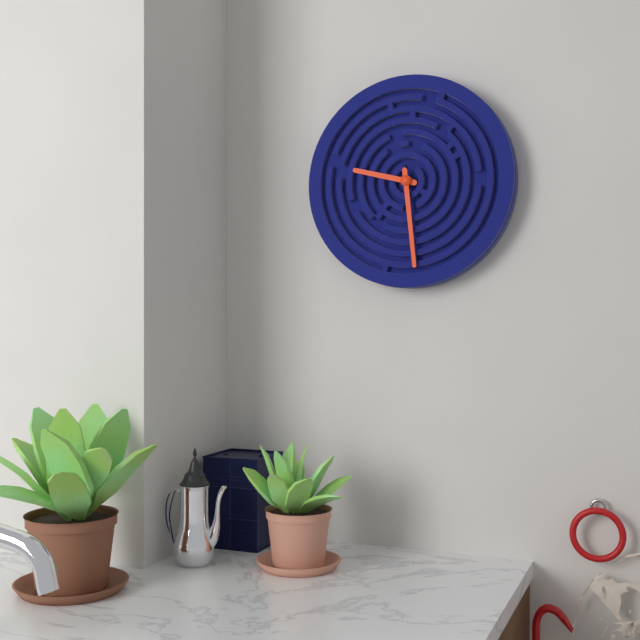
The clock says {"hour": 9, "minute": 29}
